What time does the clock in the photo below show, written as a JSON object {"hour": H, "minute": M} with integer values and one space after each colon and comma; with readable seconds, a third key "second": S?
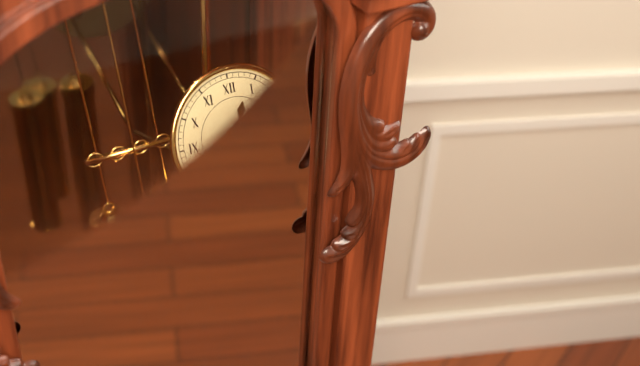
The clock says {"hour": 12, "minute": 39}
